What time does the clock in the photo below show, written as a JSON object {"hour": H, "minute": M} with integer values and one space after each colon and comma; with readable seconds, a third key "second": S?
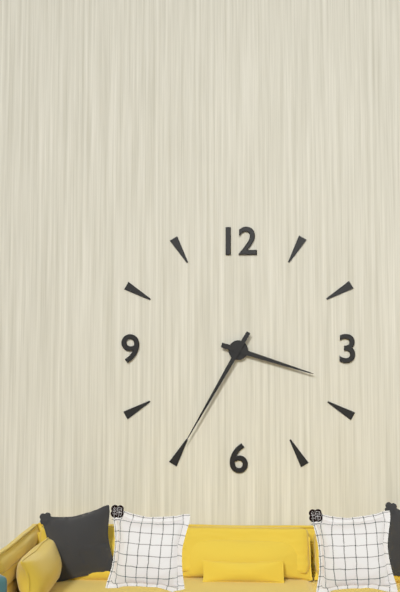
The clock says {"hour": 3, "minute": 35}
